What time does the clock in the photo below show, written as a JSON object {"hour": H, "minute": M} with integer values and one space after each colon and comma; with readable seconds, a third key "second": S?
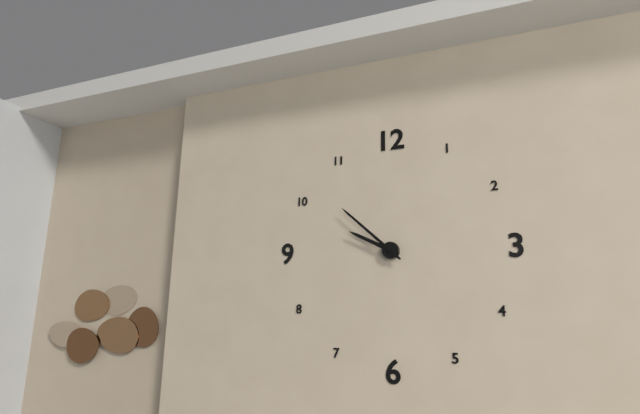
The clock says {"hour": 9, "minute": 52}
